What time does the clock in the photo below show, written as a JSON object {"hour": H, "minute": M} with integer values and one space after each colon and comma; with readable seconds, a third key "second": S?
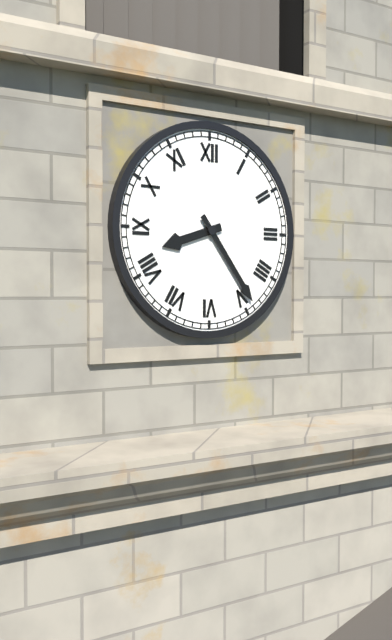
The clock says {"hour": 8, "minute": 24}
